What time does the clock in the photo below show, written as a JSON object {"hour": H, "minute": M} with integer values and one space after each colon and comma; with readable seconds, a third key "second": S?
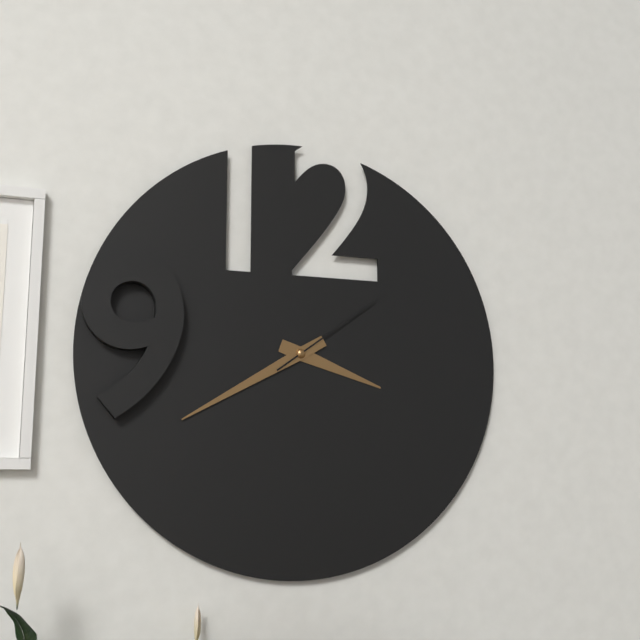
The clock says {"hour": 3, "minute": 40, "second": 9}
